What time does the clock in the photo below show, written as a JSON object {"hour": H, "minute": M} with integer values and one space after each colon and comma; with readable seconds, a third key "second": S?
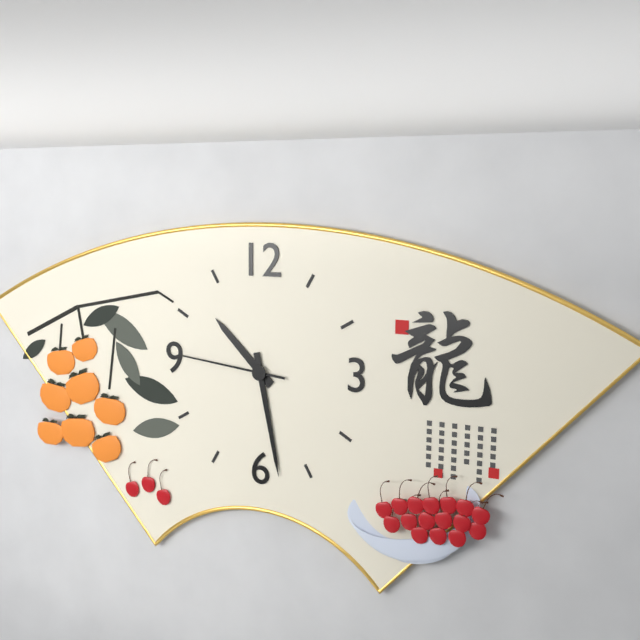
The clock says {"hour": 10, "minute": 28, "second": 46}
